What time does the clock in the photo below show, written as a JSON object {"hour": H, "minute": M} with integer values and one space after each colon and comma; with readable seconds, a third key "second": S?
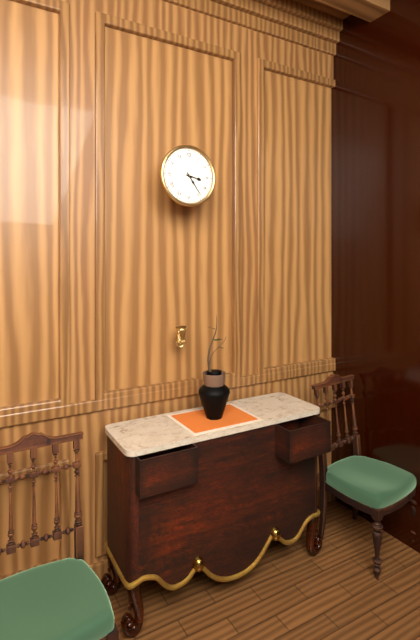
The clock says {"hour": 3, "minute": 24}
